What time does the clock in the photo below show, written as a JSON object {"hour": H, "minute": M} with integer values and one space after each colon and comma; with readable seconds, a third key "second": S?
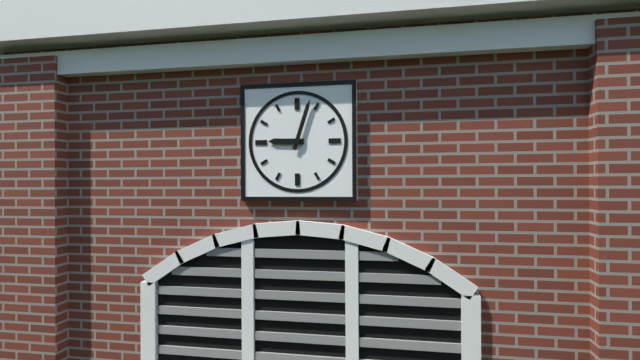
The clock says {"hour": 9, "minute": 3}
